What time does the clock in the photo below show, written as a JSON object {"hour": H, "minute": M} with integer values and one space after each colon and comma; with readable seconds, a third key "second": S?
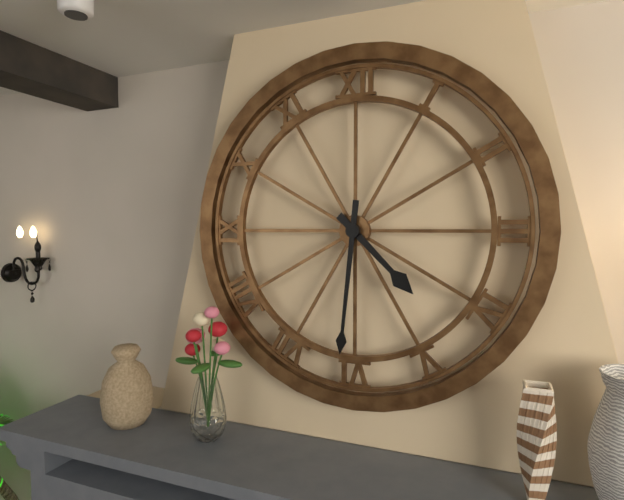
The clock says {"hour": 4, "minute": 31}
